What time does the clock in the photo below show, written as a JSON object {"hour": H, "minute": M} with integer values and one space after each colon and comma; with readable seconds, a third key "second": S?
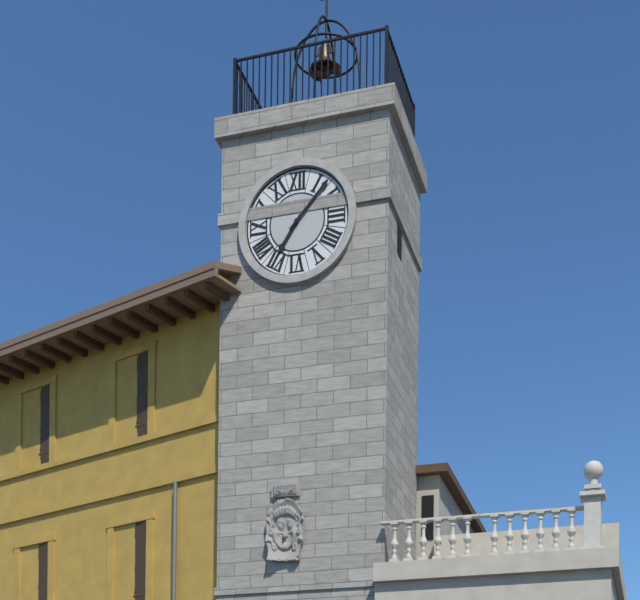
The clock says {"hour": 7, "minute": 7}
